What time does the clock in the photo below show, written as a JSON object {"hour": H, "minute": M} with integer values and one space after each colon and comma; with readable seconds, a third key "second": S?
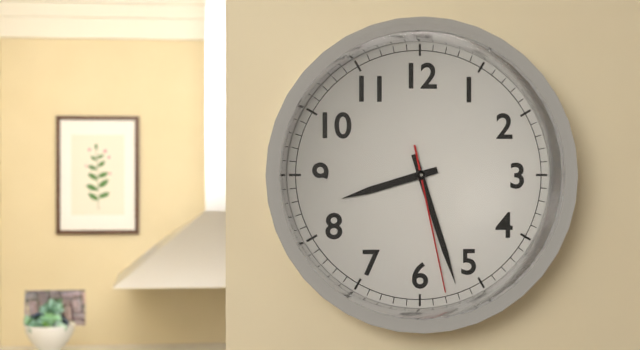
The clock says {"hour": 8, "minute": 27, "second": 28}
